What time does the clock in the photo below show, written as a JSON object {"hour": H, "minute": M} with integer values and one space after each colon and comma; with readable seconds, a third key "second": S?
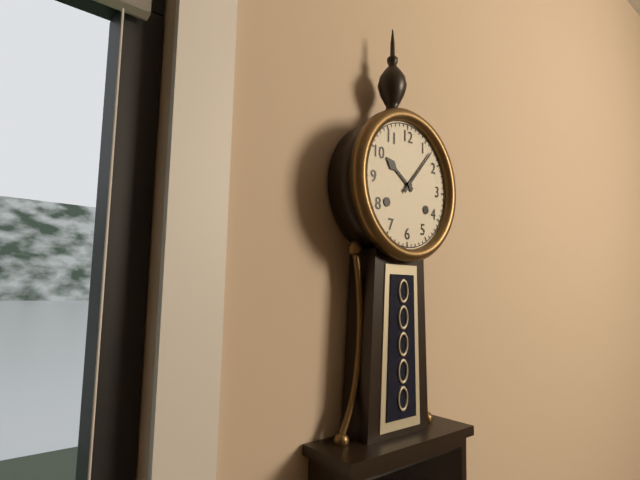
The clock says {"hour": 10, "minute": 7}
